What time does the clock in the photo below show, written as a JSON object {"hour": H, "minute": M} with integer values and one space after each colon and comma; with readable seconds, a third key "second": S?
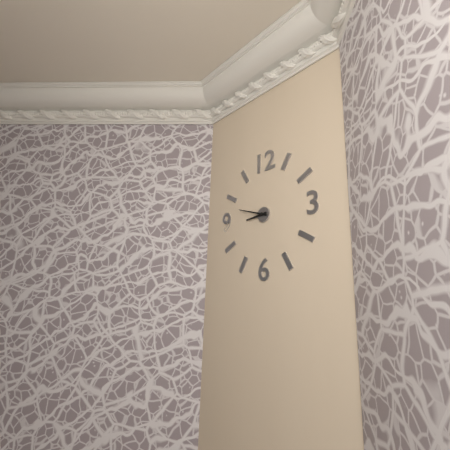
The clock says {"hour": 8, "minute": 48}
